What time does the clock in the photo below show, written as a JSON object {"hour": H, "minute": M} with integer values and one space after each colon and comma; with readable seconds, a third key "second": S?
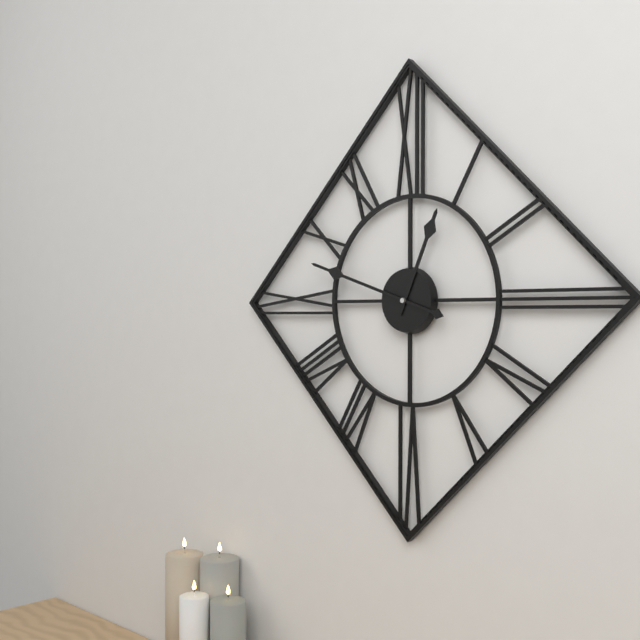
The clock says {"hour": 12, "minute": 48}
